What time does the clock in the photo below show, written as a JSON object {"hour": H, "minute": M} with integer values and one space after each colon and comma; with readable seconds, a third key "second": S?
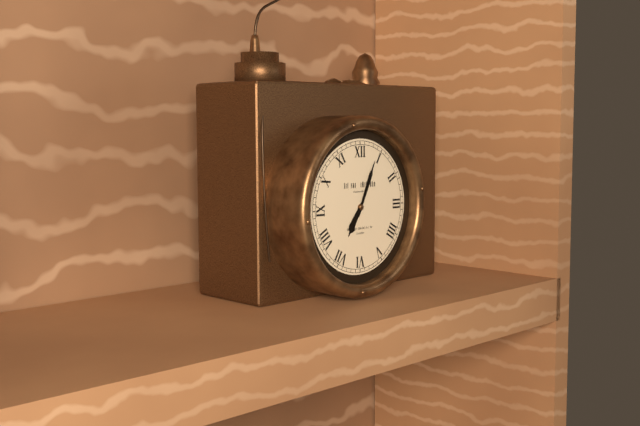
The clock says {"hour": 7, "minute": 4}
